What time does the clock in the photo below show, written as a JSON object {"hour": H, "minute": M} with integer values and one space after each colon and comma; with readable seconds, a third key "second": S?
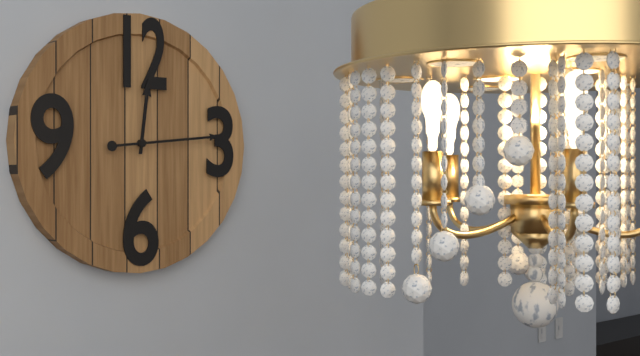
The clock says {"hour": 12, "minute": 14}
